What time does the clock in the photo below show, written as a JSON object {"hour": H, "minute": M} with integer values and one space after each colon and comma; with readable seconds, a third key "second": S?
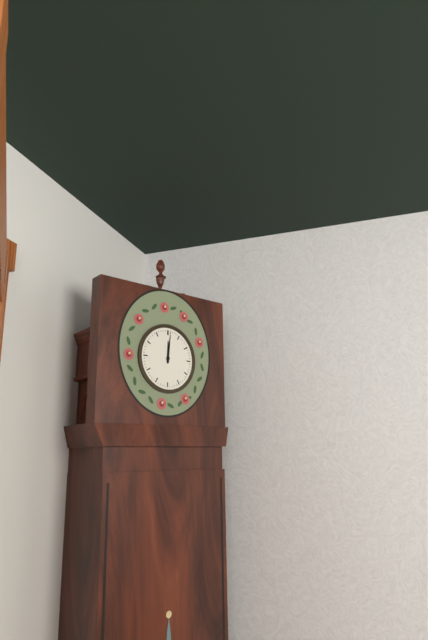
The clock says {"hour": 12, "minute": 1}
